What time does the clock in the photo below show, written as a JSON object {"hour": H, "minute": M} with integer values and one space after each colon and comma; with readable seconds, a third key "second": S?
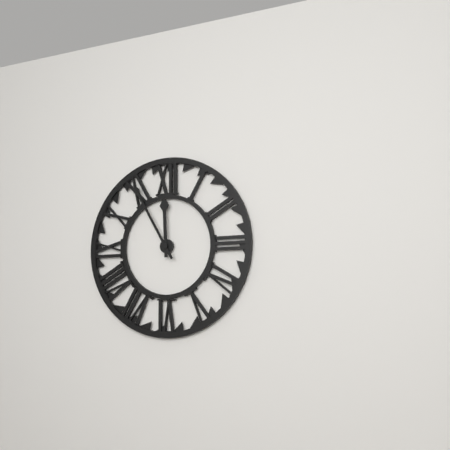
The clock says {"hour": 11, "minute": 55}
